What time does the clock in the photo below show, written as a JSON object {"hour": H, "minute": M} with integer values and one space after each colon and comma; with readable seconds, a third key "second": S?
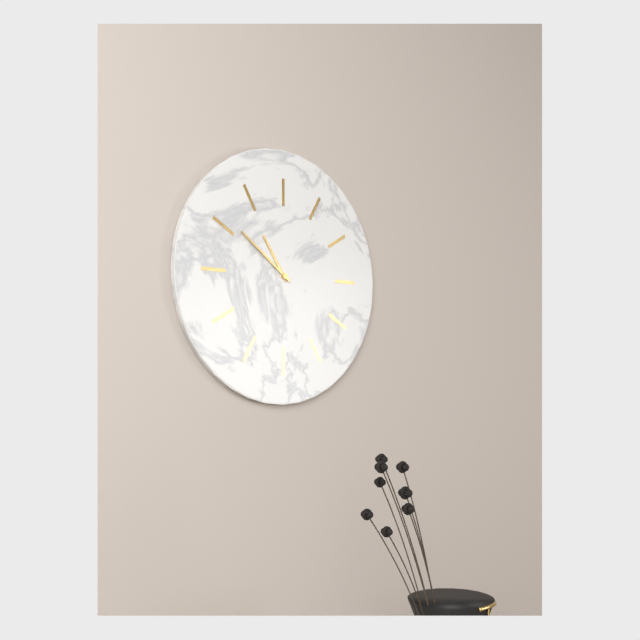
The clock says {"hour": 10, "minute": 51}
